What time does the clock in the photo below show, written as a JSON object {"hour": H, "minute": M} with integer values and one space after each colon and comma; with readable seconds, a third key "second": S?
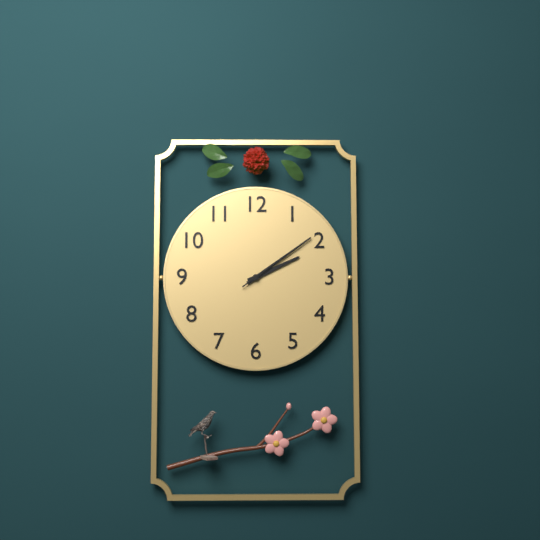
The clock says {"hour": 2, "minute": 9, "second": 9}
